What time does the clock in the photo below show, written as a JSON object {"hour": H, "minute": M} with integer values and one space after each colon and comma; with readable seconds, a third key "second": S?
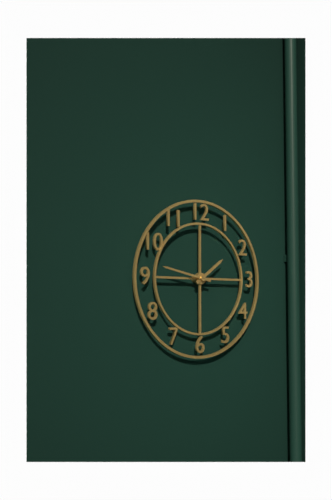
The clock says {"hour": 1, "minute": 47}
